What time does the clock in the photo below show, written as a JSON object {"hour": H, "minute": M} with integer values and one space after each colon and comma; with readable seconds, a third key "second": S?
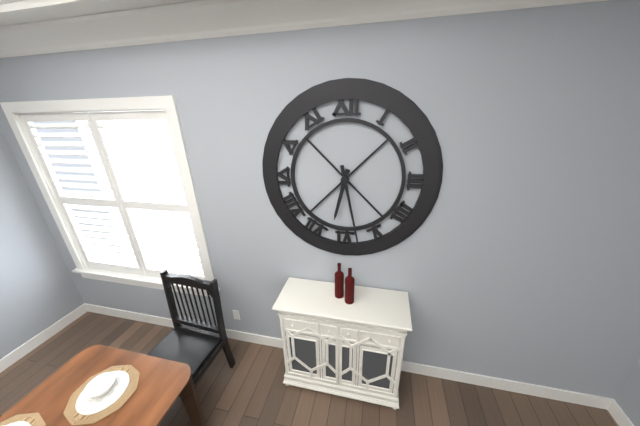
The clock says {"hour": 6, "minute": 28}
